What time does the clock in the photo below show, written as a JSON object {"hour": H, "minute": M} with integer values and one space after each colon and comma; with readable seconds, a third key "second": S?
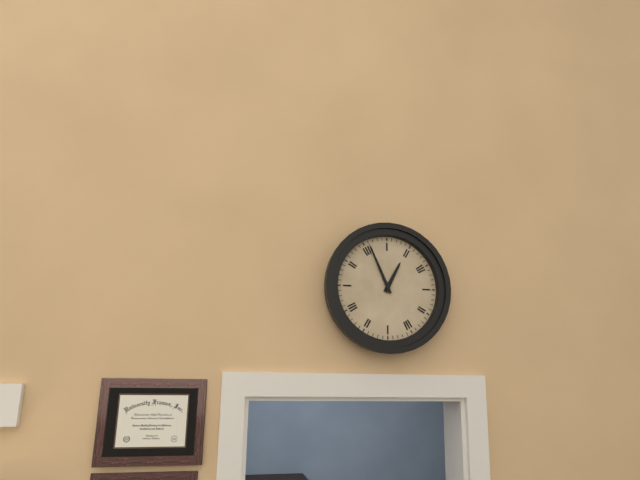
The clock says {"hour": 12, "minute": 56}
